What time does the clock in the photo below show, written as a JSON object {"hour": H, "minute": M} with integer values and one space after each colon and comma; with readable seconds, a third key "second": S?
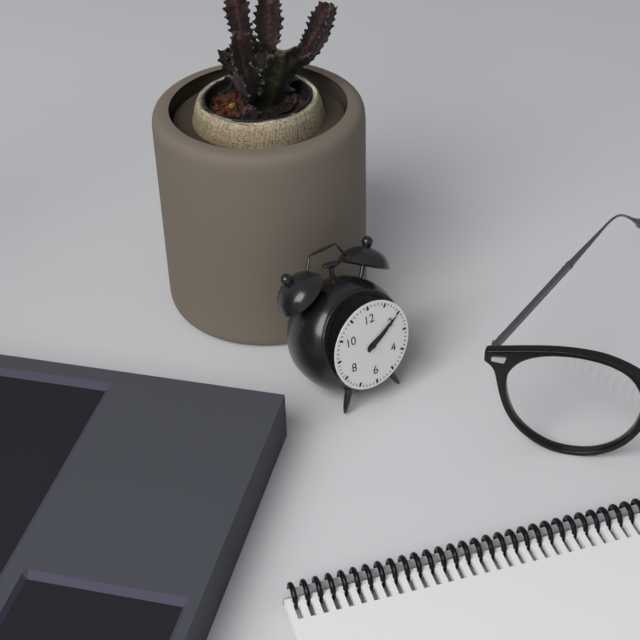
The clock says {"hour": 2, "minute": 10}
